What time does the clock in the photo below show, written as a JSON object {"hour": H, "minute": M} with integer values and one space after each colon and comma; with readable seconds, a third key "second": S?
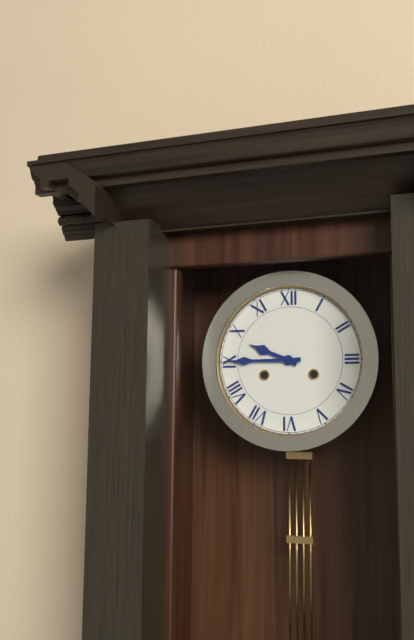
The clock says {"hour": 9, "minute": 45}
